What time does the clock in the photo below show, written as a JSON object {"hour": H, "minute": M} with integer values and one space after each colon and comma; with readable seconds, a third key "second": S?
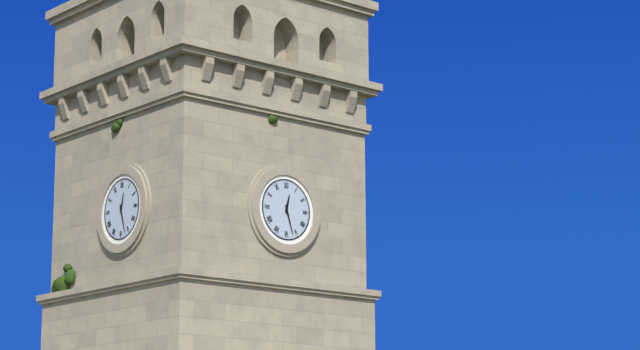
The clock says {"hour": 12, "minute": 27}
